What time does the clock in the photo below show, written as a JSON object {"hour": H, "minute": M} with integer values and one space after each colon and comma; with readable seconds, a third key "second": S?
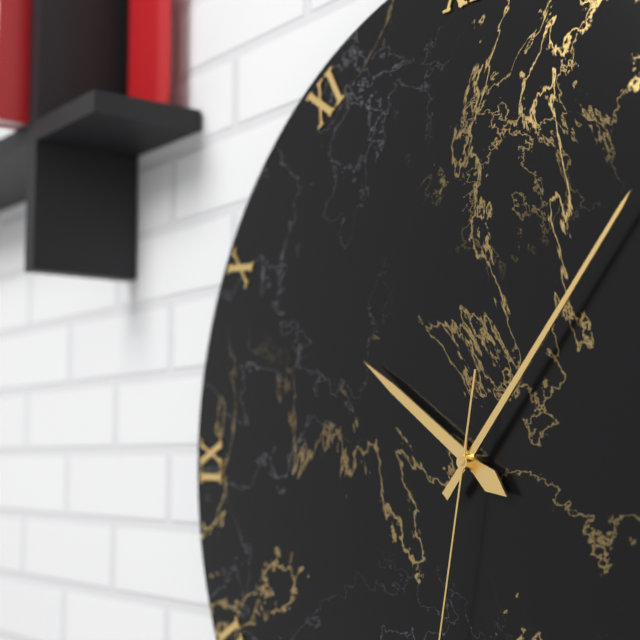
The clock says {"hour": 10, "minute": 7}
